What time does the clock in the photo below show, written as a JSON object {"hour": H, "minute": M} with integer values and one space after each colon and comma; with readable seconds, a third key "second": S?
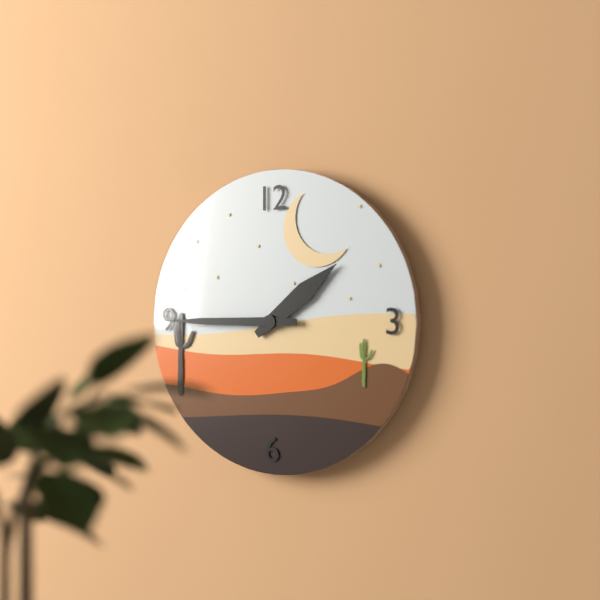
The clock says {"hour": 1, "minute": 45}
